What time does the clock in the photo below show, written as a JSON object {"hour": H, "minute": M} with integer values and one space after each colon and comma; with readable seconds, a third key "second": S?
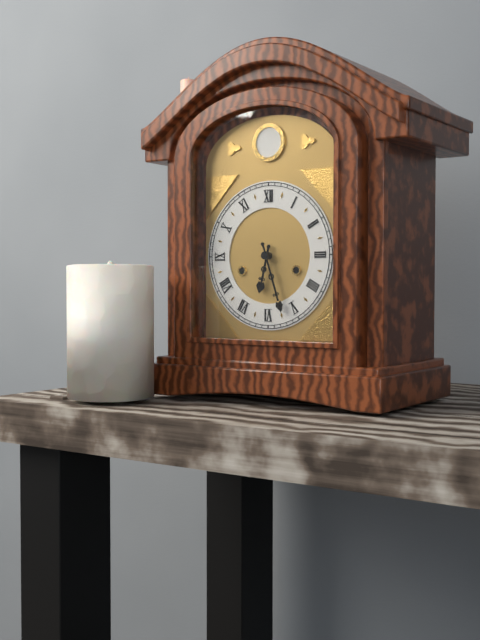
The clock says {"hour": 6, "minute": 27}
